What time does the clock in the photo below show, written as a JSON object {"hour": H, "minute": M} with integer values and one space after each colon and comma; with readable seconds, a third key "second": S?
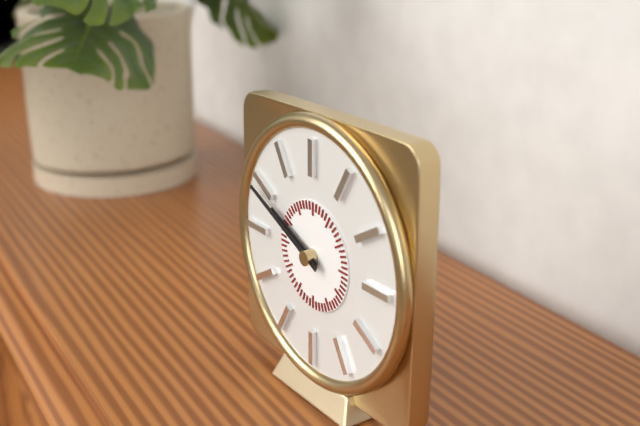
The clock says {"hour": 9, "minute": 49}
